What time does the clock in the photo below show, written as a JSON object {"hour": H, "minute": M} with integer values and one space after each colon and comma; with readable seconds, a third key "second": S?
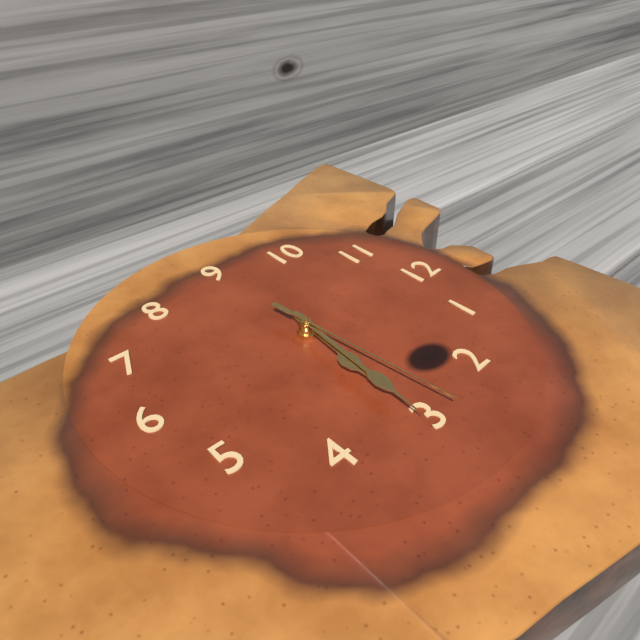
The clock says {"hour": 3, "minute": 16, "second": 14}
